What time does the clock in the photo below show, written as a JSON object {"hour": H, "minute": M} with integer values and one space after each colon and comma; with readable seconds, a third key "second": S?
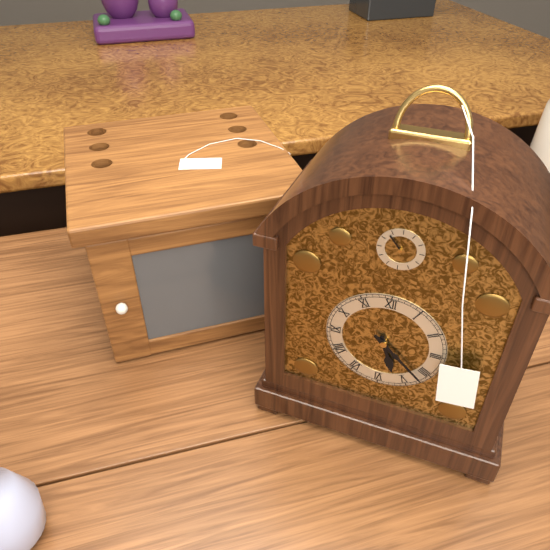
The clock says {"hour": 5, "minute": 22}
